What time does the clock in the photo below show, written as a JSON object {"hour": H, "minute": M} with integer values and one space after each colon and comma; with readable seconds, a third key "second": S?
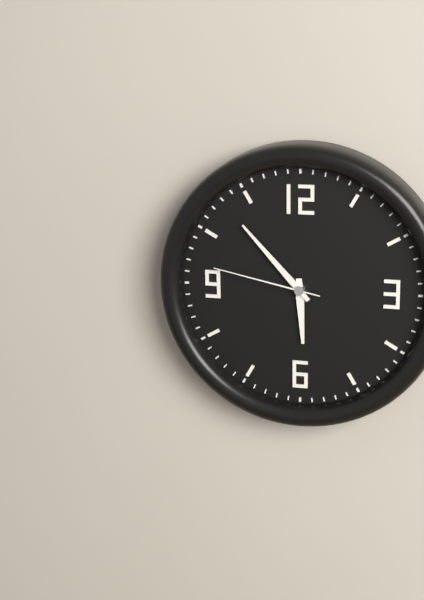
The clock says {"hour": 5, "minute": 53, "second": 47}
